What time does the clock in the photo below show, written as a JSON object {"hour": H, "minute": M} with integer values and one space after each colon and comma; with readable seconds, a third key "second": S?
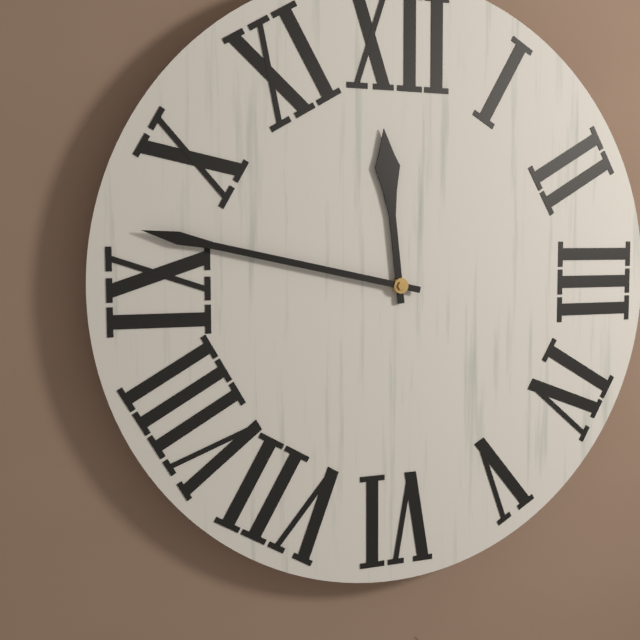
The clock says {"hour": 11, "minute": 47}
